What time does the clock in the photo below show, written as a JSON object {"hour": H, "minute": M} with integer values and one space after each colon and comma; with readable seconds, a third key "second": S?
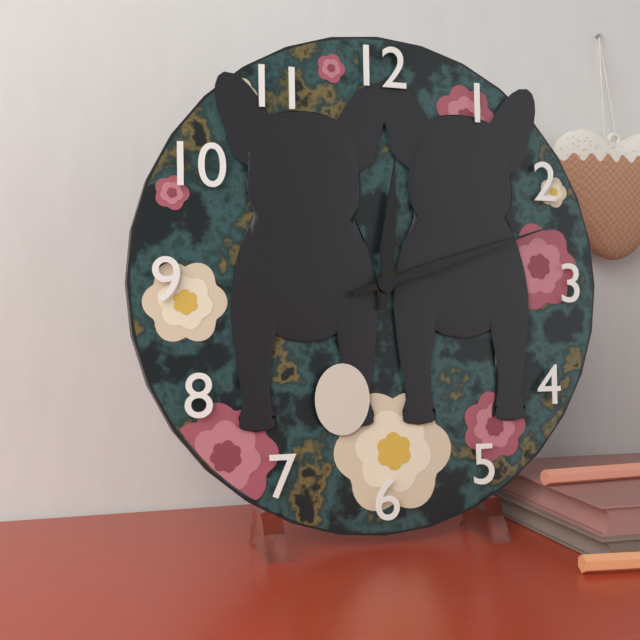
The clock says {"hour": 12, "minute": 12}
